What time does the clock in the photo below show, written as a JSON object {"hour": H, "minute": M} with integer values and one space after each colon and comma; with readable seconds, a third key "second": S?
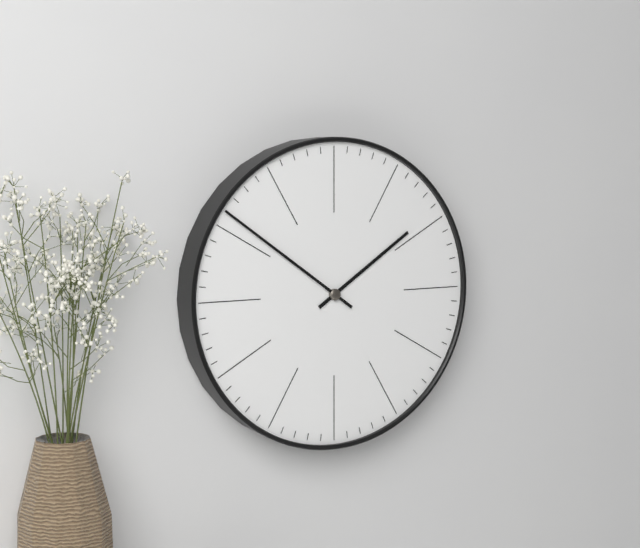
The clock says {"hour": 1, "minute": 51}
